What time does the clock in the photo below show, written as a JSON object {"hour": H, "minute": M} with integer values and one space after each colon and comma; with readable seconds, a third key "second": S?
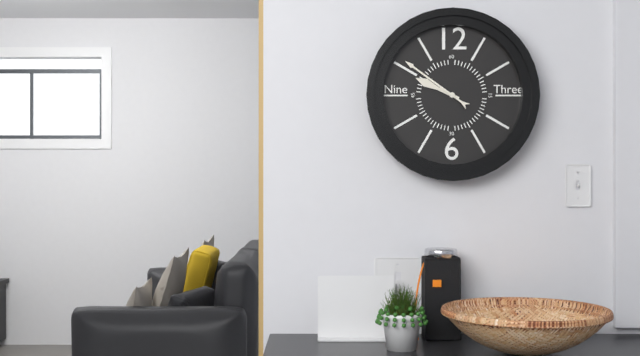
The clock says {"hour": 9, "minute": 51}
